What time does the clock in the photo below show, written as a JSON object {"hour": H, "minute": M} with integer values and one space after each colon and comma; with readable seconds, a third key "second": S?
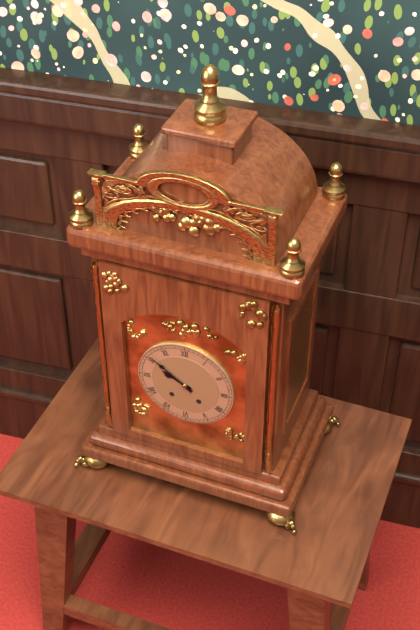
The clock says {"hour": 9, "minute": 51}
